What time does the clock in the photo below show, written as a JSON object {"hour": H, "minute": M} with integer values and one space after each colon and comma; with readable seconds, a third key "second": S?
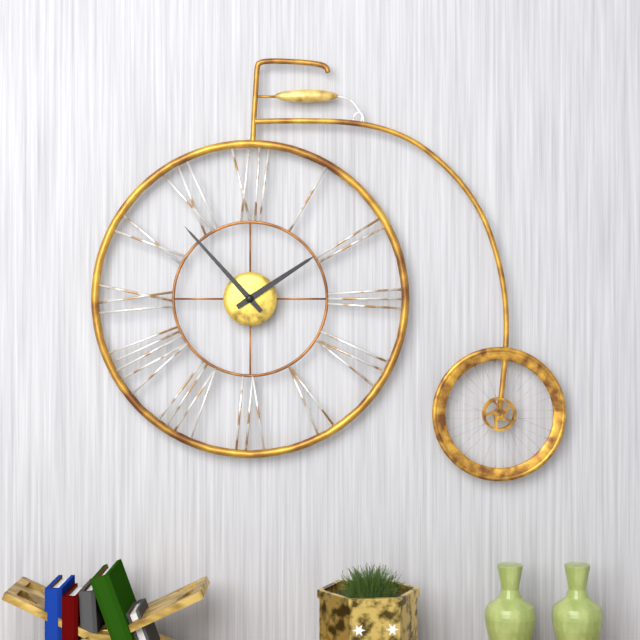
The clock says {"hour": 1, "minute": 53}
